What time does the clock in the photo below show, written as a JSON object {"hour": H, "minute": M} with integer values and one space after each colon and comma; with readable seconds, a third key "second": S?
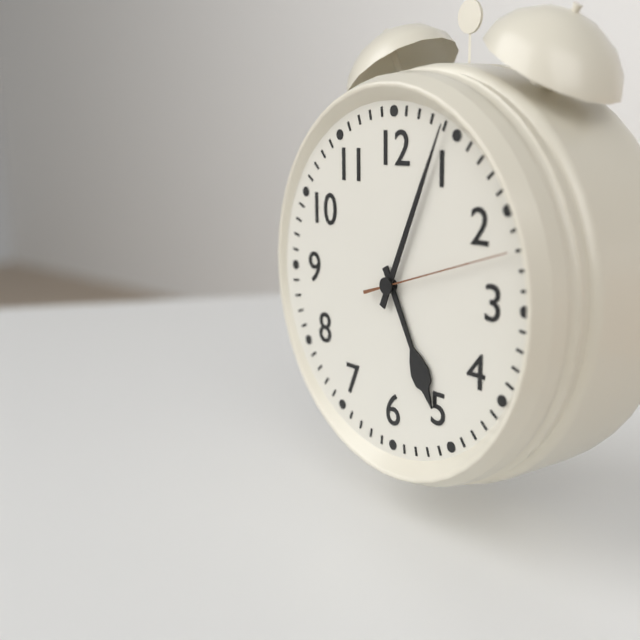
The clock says {"hour": 5, "minute": 4, "second": 12}
